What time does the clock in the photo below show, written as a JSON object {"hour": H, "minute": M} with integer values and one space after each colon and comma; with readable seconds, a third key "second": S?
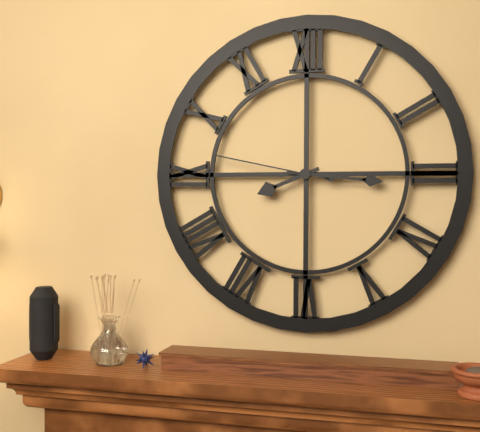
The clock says {"hour": 8, "minute": 16, "second": 47}
